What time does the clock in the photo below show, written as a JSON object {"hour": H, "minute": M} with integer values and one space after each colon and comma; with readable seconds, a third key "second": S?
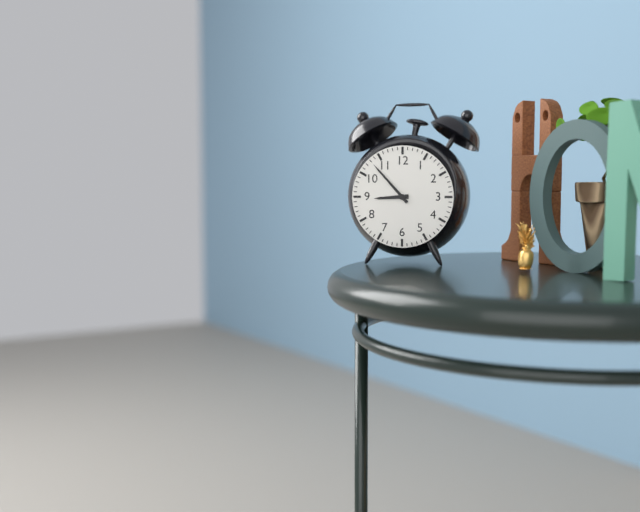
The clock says {"hour": 8, "minute": 53}
